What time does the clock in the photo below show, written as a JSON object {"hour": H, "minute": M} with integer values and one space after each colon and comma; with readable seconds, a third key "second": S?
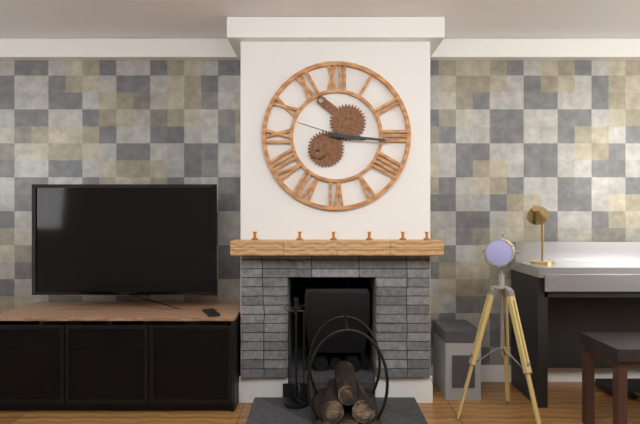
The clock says {"hour": 3, "minute": 16, "second": 48}
